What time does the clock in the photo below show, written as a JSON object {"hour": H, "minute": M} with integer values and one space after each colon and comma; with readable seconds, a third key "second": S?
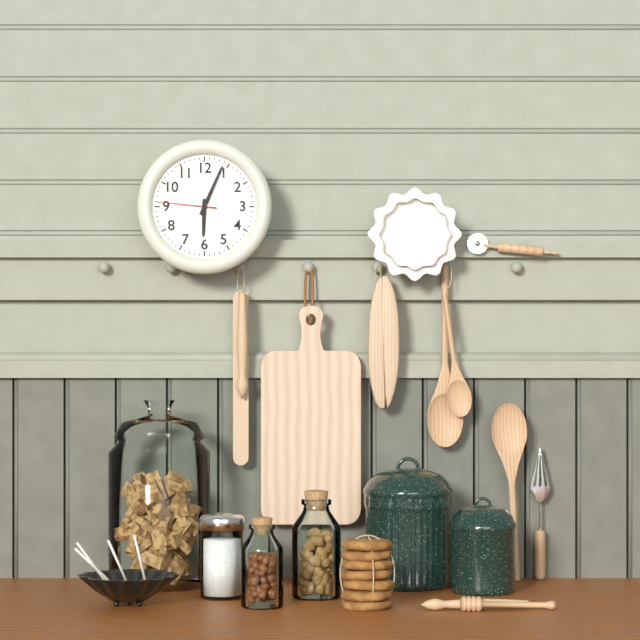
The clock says {"hour": 6, "minute": 4, "second": 46}
